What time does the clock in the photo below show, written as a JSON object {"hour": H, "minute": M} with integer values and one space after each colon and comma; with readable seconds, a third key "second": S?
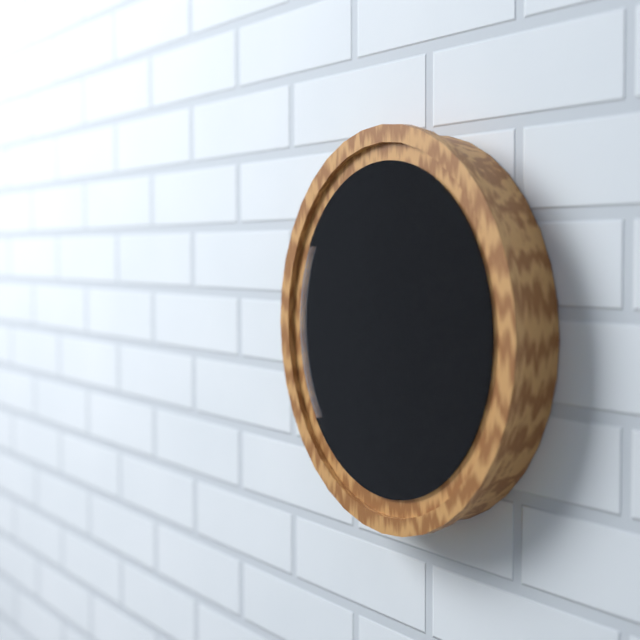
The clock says {"hour": 12, "minute": 22, "second": 7}
